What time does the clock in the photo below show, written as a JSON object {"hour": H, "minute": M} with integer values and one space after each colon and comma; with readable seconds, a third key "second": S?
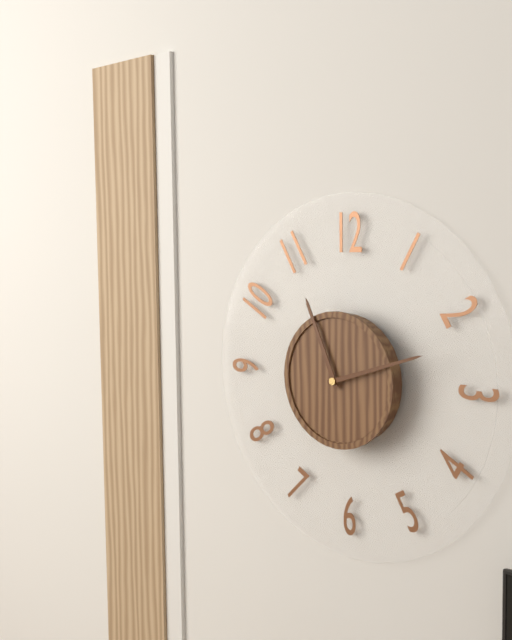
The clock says {"hour": 11, "minute": 12}
